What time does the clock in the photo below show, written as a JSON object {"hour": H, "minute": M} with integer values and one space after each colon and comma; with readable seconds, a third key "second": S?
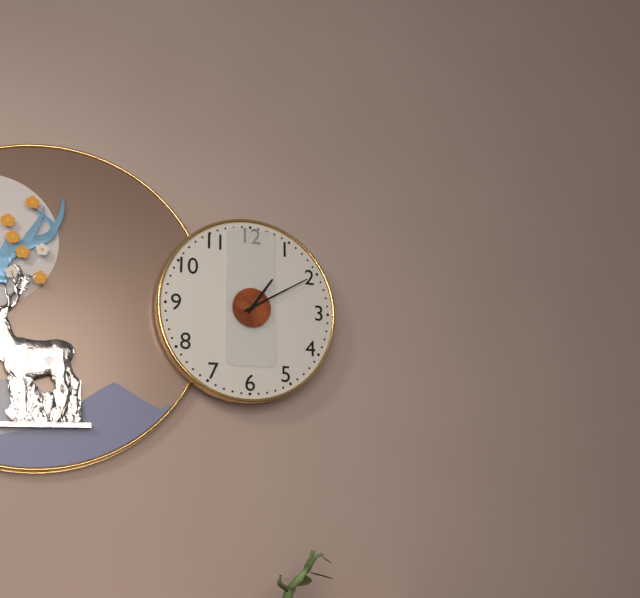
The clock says {"hour": 1, "minute": 10}
